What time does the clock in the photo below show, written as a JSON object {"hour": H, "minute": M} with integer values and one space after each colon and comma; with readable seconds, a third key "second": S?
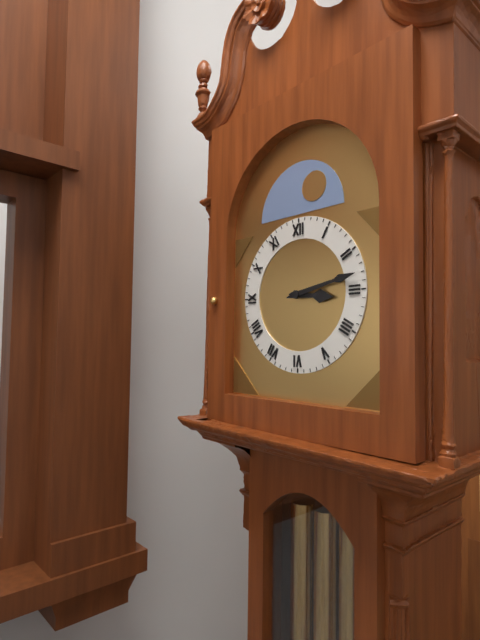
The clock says {"hour": 3, "minute": 13}
